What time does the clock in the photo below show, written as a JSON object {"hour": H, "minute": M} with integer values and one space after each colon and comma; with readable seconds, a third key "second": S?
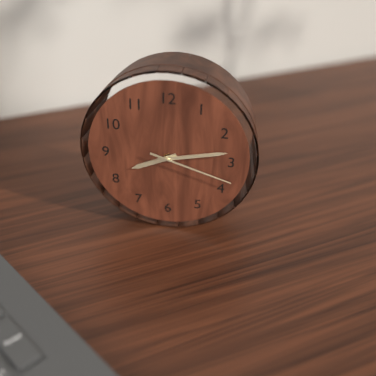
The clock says {"hour": 8, "minute": 13, "second": 18}
